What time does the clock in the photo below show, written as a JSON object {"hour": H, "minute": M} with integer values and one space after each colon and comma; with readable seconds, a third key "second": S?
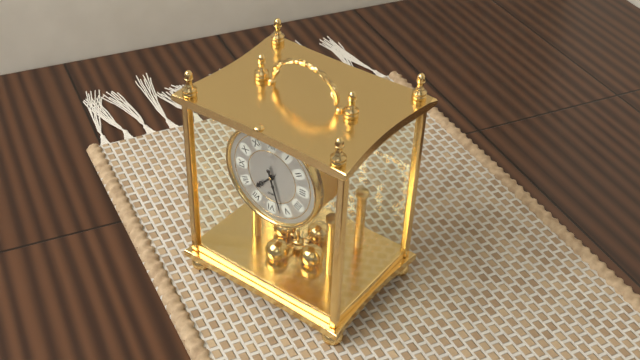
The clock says {"hour": 7, "minute": 27}
